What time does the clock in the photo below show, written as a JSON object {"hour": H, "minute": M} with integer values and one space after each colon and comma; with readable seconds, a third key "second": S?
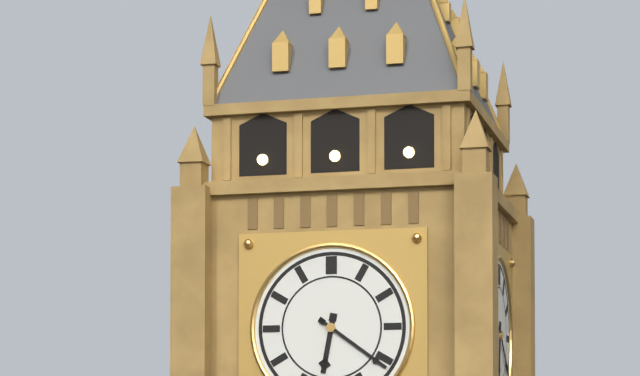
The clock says {"hour": 6, "minute": 21}
